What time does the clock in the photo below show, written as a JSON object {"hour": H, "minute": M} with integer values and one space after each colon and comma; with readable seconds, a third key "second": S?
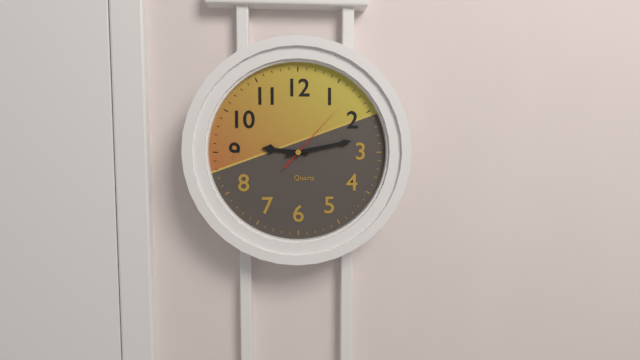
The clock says {"hour": 9, "minute": 13, "second": 7}
